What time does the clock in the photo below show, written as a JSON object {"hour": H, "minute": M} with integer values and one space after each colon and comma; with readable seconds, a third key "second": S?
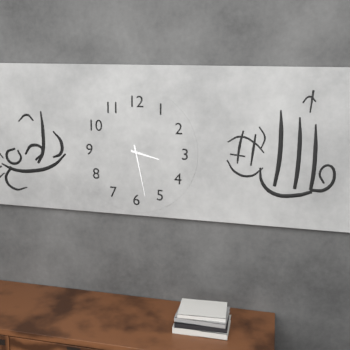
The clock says {"hour": 3, "minute": 28}
